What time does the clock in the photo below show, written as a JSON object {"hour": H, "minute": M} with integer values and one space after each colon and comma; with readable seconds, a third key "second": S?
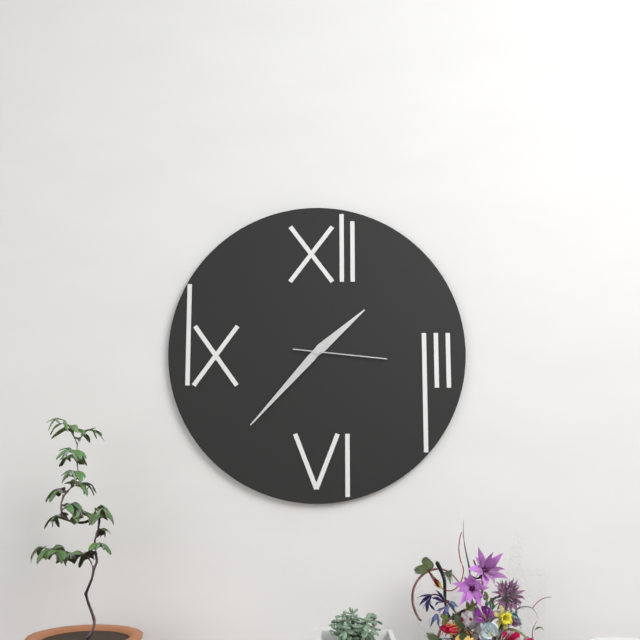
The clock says {"hour": 1, "minute": 37, "second": 16}
